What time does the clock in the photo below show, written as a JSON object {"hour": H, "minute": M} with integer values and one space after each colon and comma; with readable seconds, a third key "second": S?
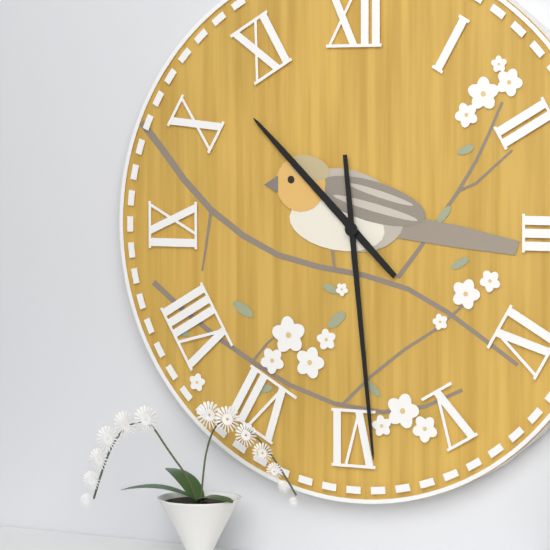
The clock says {"hour": 10, "minute": 29}
